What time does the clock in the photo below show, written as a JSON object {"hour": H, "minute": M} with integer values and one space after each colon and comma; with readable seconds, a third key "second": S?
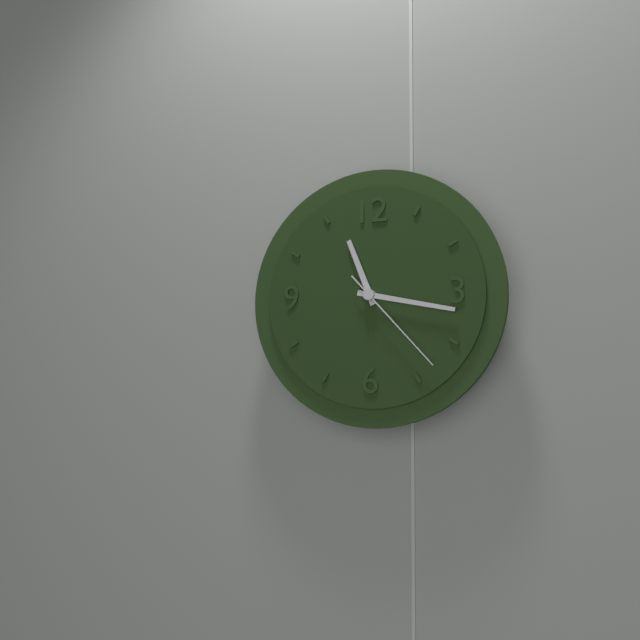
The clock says {"hour": 11, "minute": 17, "second": 23}
